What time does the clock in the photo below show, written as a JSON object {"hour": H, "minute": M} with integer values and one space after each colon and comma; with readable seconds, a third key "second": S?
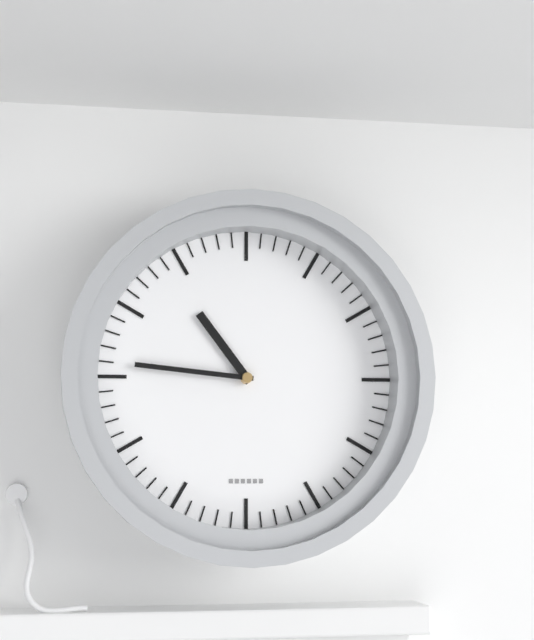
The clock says {"hour": 10, "minute": 46}
